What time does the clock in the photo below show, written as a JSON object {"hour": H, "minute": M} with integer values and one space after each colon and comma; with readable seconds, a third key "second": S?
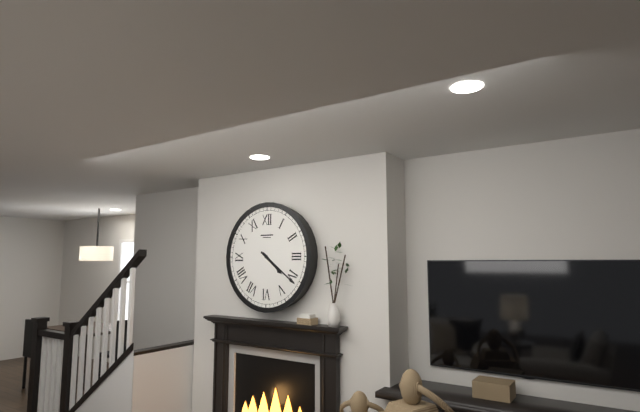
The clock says {"hour": 4, "minute": 21}
